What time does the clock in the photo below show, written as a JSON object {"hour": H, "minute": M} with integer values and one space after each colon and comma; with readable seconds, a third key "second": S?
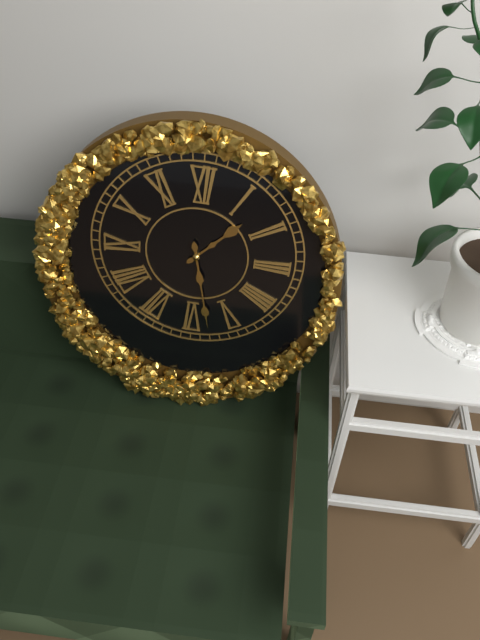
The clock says {"hour": 1, "minute": 28}
